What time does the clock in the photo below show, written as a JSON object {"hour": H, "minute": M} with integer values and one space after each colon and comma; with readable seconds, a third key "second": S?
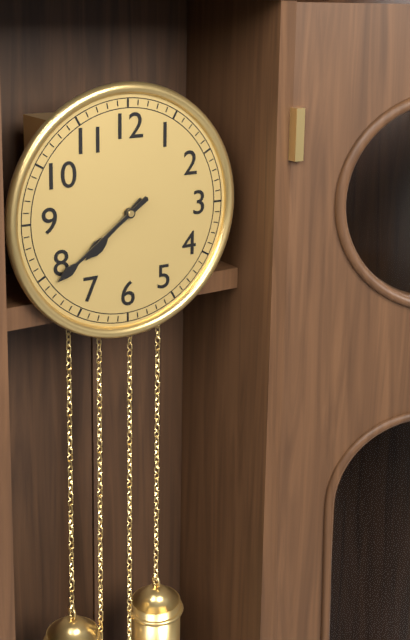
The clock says {"hour": 7, "minute": 39}
